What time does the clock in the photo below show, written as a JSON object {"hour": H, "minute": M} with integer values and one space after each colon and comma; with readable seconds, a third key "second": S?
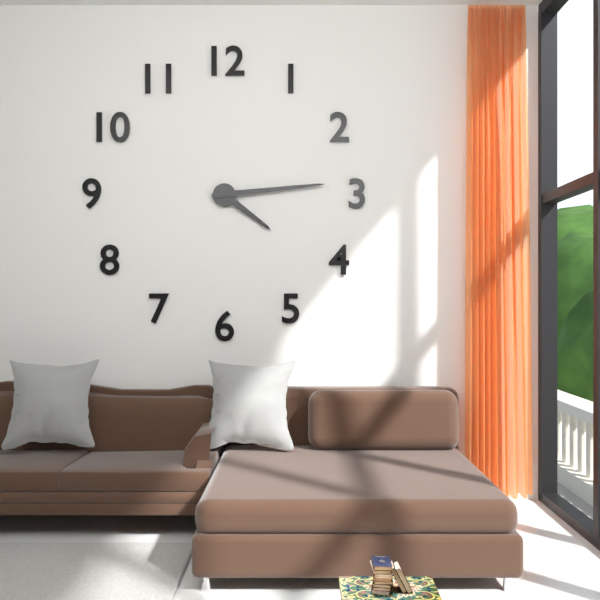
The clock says {"hour": 4, "minute": 14}
